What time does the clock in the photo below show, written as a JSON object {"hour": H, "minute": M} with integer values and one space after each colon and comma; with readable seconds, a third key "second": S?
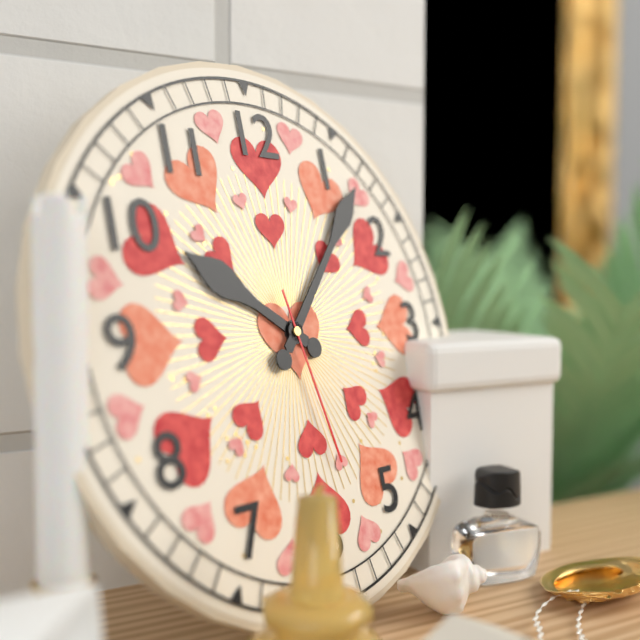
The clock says {"hour": 10, "minute": 7, "second": 28}
